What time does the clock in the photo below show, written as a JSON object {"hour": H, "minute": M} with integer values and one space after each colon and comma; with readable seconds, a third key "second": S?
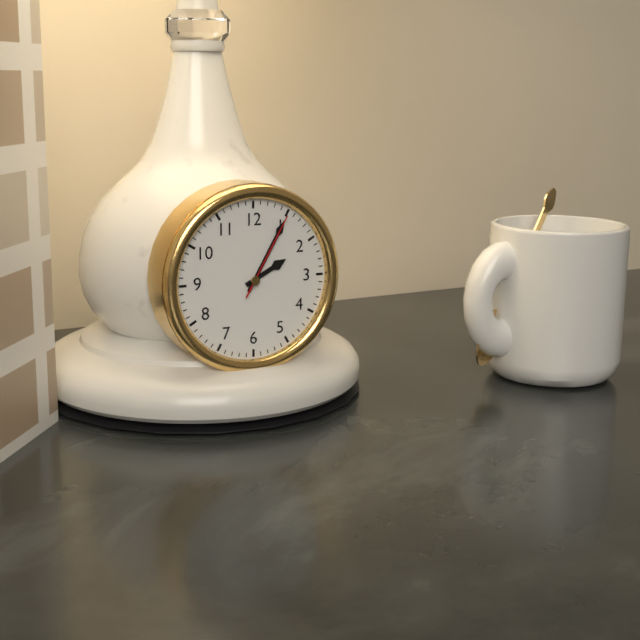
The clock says {"hour": 2, "minute": 5, "second": 5}
